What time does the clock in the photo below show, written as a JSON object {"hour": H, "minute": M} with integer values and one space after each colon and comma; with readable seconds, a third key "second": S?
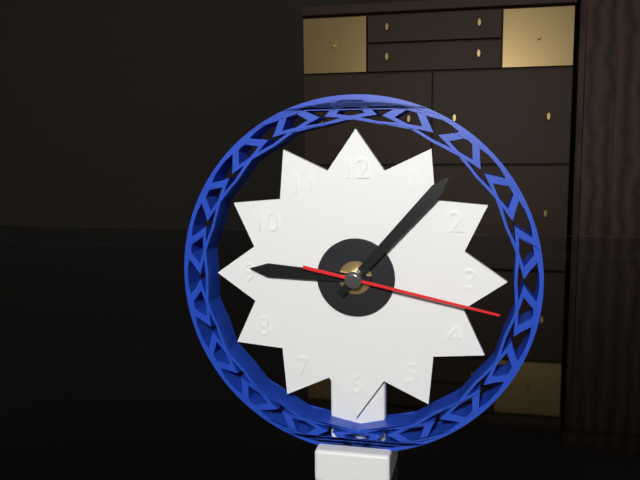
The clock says {"hour": 9, "minute": 7, "second": 17}
